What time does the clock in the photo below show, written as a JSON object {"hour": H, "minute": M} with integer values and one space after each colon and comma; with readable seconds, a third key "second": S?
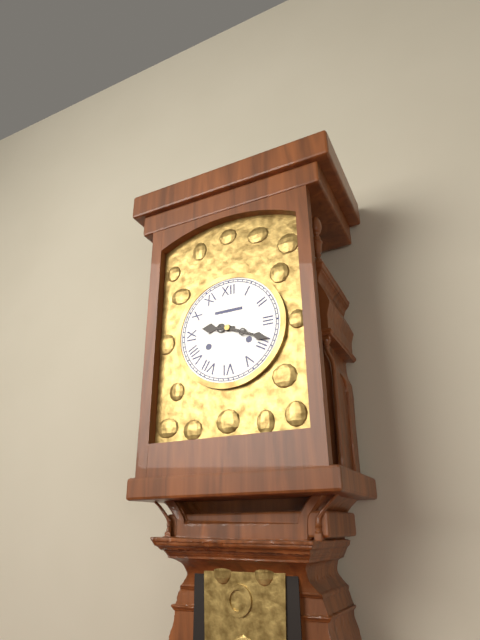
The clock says {"hour": 9, "minute": 19}
